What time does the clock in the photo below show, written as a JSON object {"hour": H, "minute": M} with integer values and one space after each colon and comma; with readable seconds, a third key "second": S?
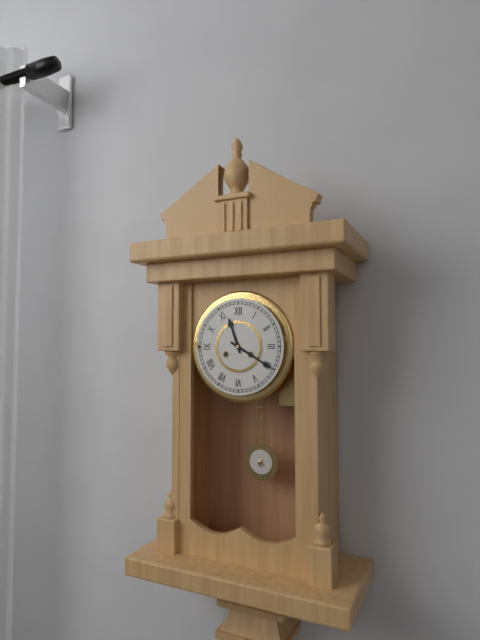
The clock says {"hour": 11, "minute": 20}
